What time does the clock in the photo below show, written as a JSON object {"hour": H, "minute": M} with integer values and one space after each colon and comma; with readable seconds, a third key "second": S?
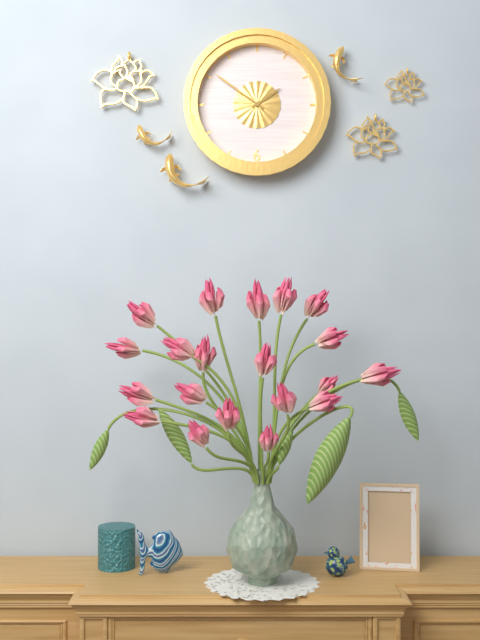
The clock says {"hour": 1, "minute": 51}
